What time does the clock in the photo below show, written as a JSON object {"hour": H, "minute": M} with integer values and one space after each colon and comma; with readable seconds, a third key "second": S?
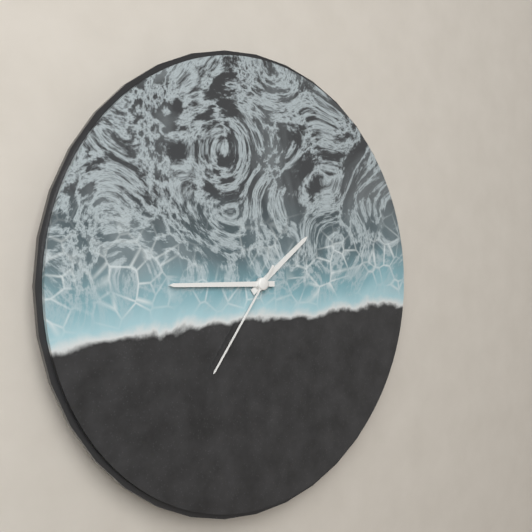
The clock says {"hour": 1, "minute": 45, "second": 36}
